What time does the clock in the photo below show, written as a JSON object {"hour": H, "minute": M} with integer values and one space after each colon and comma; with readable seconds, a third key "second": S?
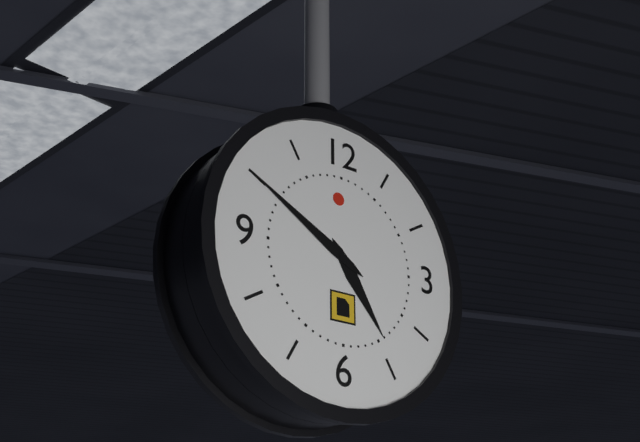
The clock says {"hour": 4, "minute": 50}
